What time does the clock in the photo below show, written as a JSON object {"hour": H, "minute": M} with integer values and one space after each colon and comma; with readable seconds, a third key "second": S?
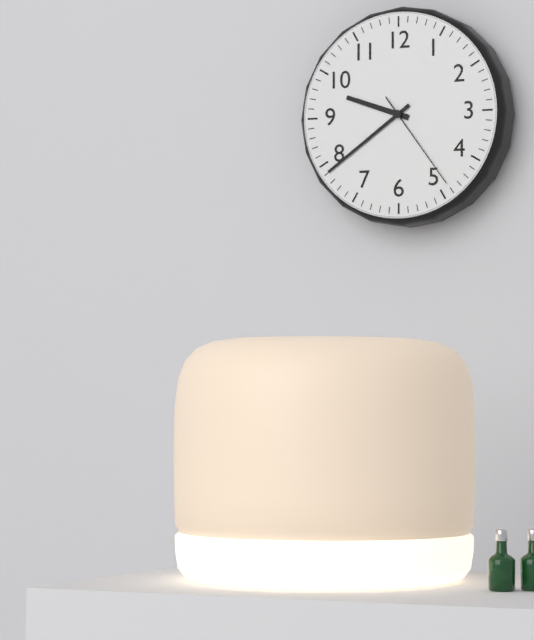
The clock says {"hour": 9, "minute": 39, "second": 24}
